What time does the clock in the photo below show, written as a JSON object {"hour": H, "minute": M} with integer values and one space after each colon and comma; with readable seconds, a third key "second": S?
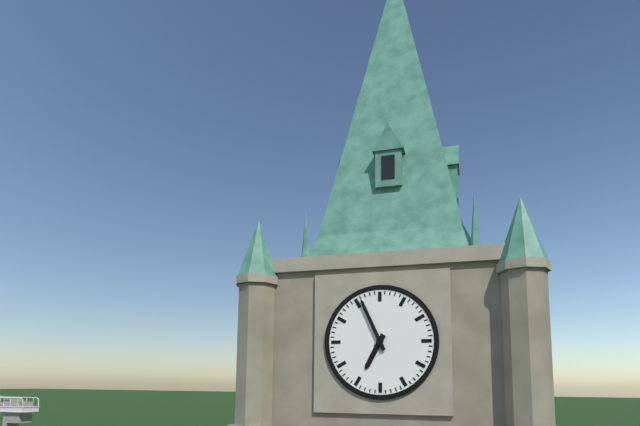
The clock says {"hour": 6, "minute": 56}
